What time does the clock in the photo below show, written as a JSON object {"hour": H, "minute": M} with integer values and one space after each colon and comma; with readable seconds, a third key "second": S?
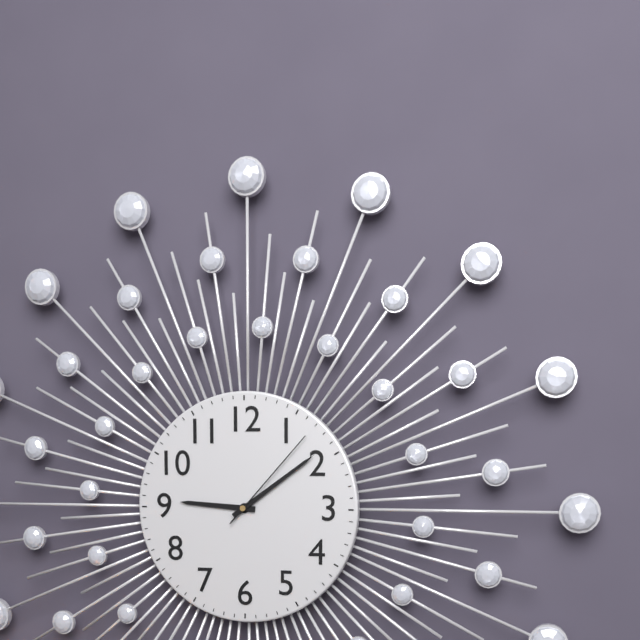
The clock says {"hour": 9, "minute": 9, "second": 7}
